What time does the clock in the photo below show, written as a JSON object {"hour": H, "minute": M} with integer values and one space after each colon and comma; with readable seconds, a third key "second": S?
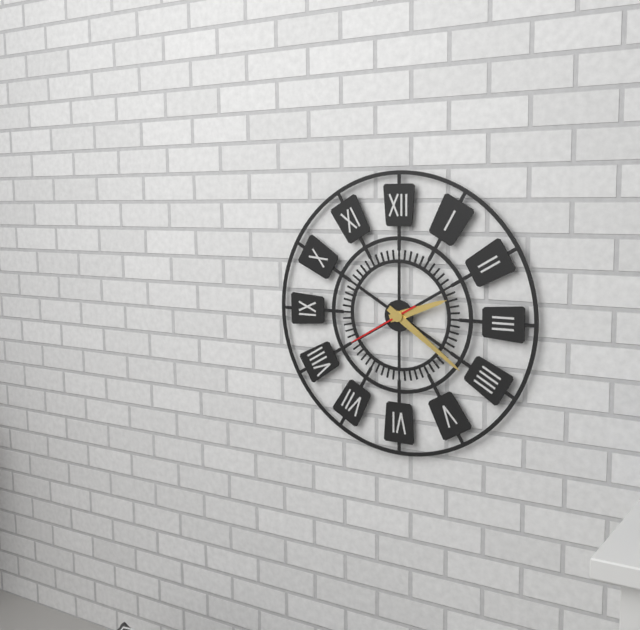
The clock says {"hour": 2, "minute": 21, "second": 40}
